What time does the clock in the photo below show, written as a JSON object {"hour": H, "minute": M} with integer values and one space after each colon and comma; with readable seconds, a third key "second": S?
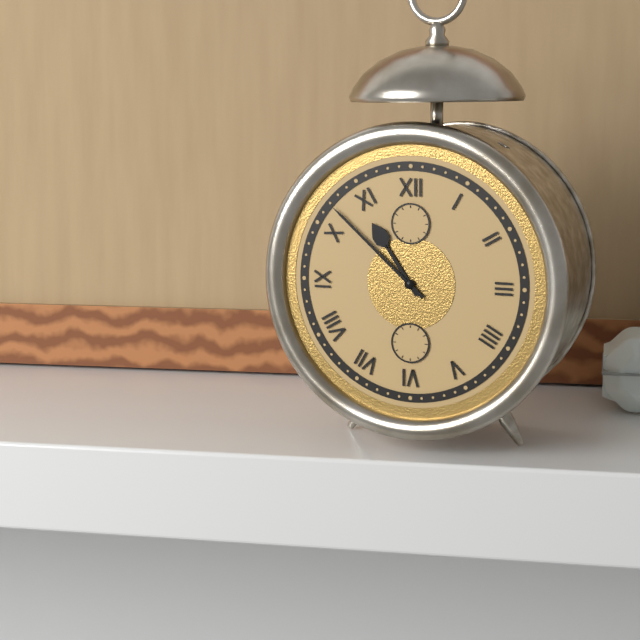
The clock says {"hour": 10, "minute": 52}
